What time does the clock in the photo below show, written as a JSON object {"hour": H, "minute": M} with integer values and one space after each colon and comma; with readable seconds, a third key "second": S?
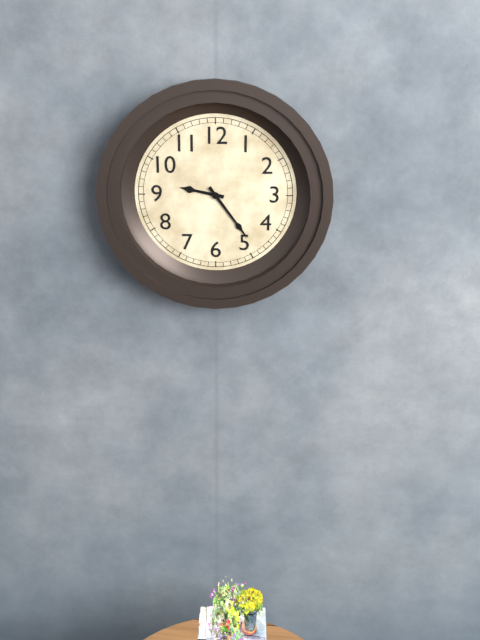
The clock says {"hour": 9, "minute": 24}
